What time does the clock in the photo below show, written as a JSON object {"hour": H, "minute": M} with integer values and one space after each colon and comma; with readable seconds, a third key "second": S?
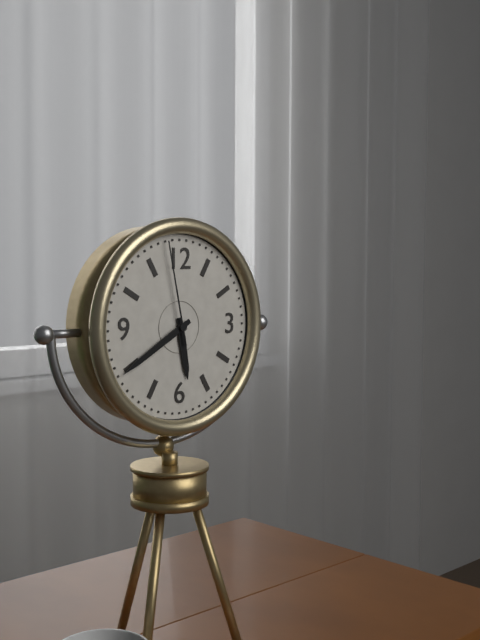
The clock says {"hour": 5, "minute": 40, "second": 58}
